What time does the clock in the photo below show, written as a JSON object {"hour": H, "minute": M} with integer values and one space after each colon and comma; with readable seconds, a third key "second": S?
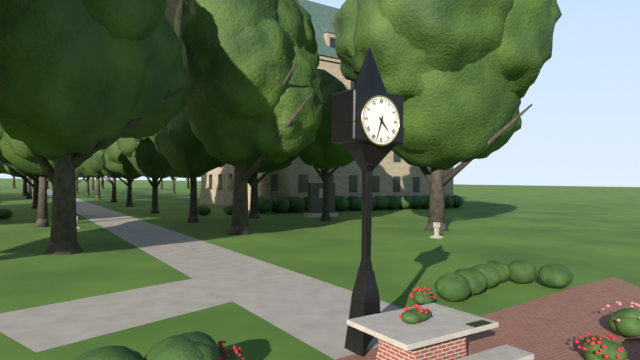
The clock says {"hour": 4, "minute": 33}
